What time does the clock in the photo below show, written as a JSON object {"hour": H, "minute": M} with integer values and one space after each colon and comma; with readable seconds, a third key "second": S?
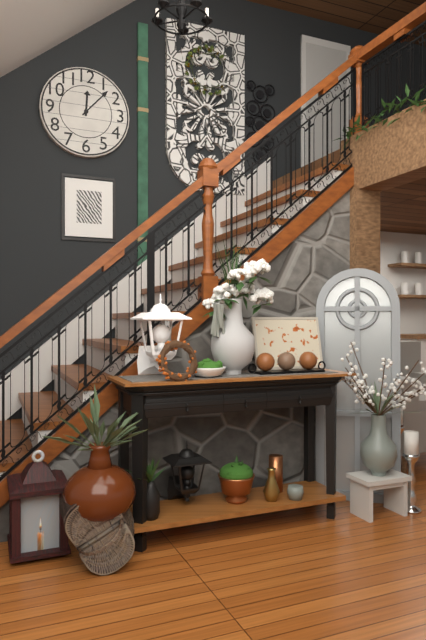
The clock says {"hour": 12, "minute": 7}
